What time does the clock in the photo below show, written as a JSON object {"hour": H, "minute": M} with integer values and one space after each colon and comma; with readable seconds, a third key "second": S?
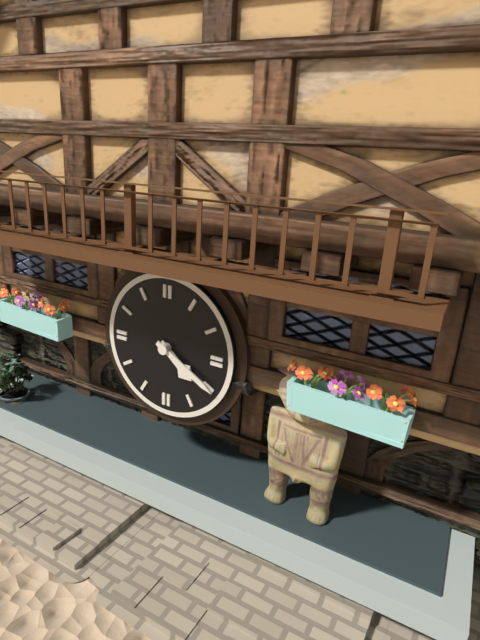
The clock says {"hour": 4, "minute": 20}
